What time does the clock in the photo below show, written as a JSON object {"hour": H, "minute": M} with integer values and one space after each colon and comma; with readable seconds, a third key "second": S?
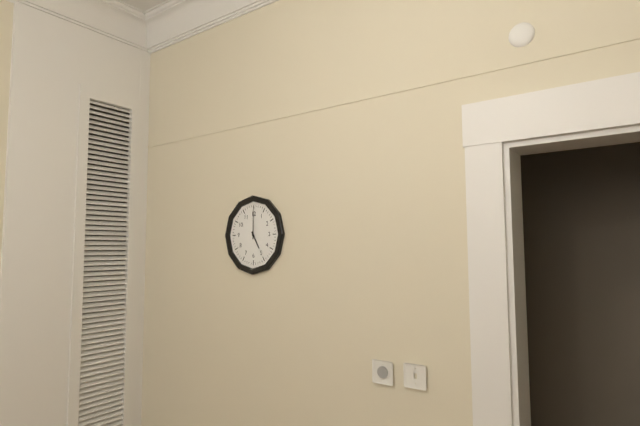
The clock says {"hour": 5, "minute": 0}
